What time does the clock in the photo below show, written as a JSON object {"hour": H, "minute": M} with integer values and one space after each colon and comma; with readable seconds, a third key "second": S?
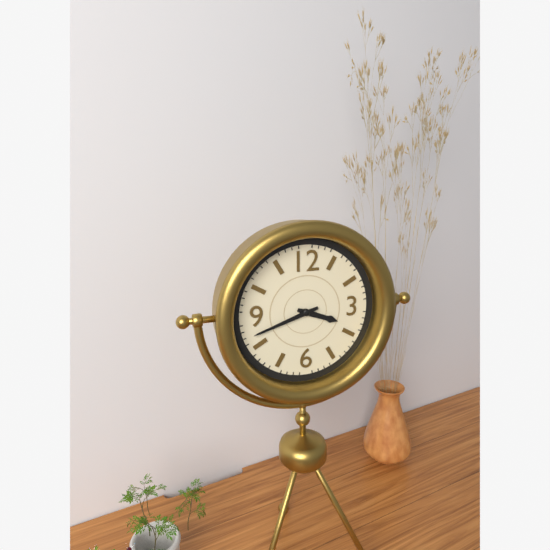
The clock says {"hour": 3, "minute": 42}
